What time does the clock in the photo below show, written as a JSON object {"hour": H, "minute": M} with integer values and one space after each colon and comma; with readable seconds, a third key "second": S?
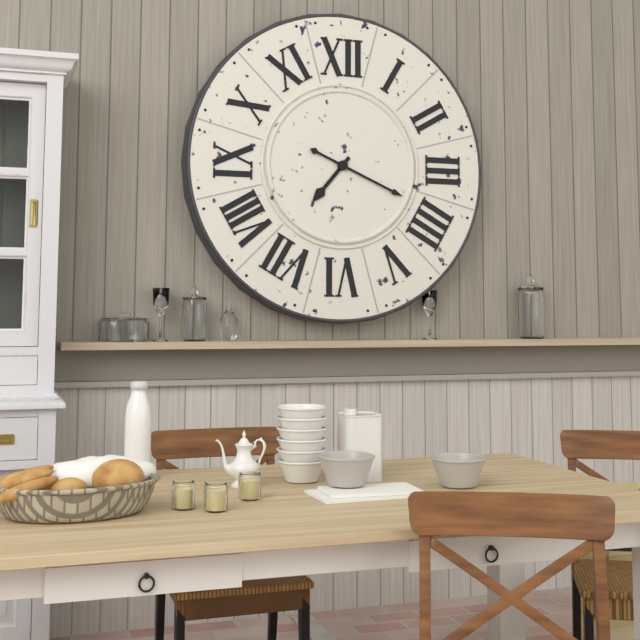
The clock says {"hour": 7, "minute": 19}
